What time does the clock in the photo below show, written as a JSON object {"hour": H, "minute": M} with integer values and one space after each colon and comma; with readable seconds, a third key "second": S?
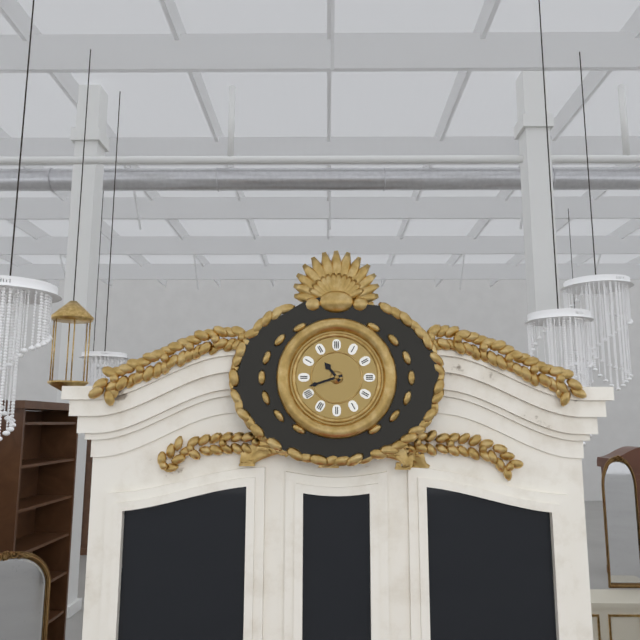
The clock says {"hour": 10, "minute": 42}
